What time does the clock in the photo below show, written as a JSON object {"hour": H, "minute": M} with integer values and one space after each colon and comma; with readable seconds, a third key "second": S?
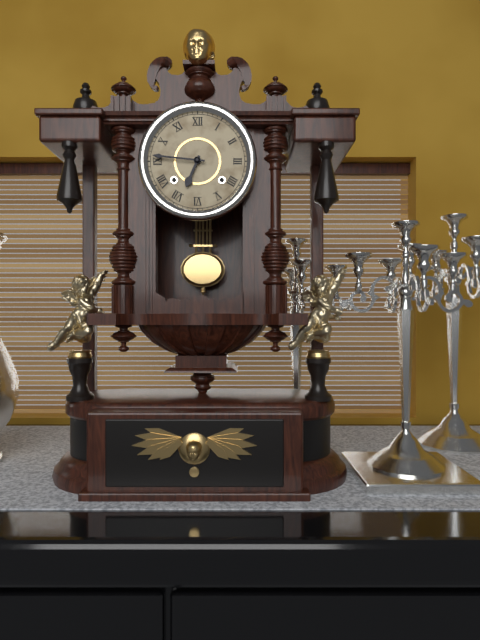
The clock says {"hour": 6, "minute": 46}
